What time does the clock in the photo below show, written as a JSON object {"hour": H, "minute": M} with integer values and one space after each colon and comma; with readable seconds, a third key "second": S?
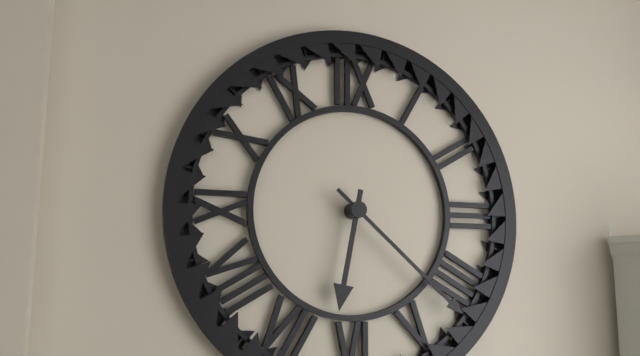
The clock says {"hour": 6, "minute": 22}
